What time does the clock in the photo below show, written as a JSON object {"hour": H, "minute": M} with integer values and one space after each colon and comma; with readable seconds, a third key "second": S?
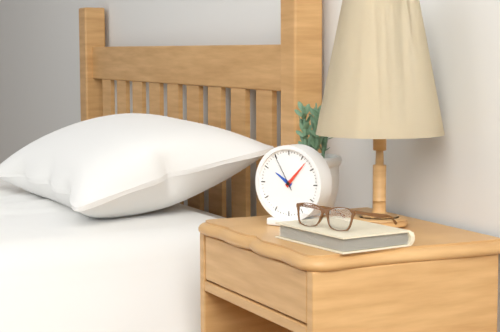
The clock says {"hour": 10, "minute": 7}
